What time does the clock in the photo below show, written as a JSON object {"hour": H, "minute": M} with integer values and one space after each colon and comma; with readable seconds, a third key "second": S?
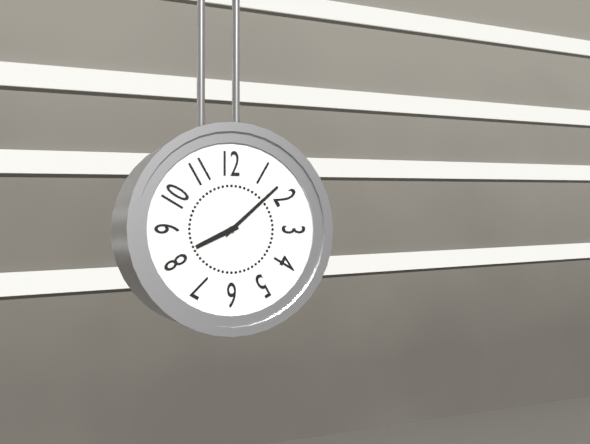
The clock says {"hour": 8, "minute": 8}
